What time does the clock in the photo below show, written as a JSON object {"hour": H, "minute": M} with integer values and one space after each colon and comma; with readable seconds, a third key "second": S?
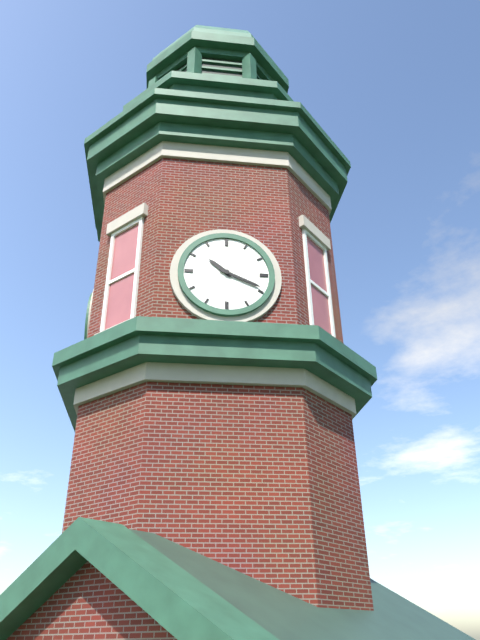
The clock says {"hour": 10, "minute": 19}
